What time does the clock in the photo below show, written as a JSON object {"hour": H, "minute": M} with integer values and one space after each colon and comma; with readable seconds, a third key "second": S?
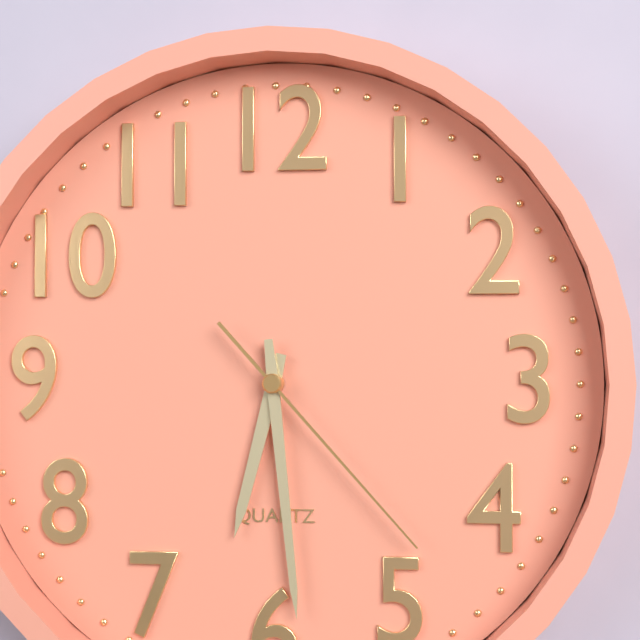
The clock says {"hour": 6, "minute": 29, "second": 23}
